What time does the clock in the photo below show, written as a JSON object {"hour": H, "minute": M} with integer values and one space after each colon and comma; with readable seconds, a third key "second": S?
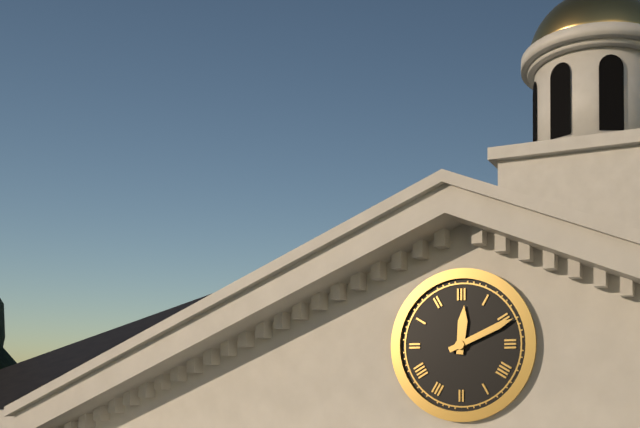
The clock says {"hour": 12, "minute": 11}
